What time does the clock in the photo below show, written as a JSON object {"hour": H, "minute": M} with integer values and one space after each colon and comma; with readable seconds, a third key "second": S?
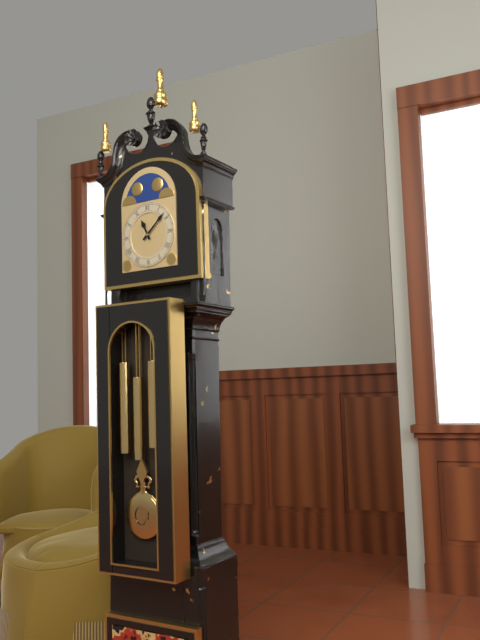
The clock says {"hour": 11, "minute": 8}
